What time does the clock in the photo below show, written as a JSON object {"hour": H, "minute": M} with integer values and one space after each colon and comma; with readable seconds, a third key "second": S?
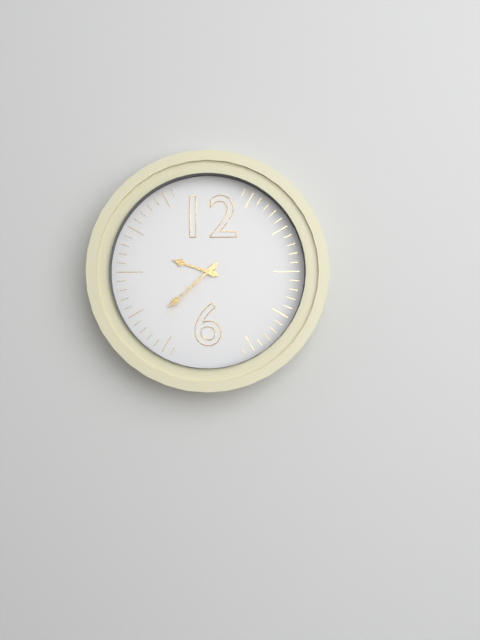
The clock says {"hour": 9, "minute": 38, "second": 37}
